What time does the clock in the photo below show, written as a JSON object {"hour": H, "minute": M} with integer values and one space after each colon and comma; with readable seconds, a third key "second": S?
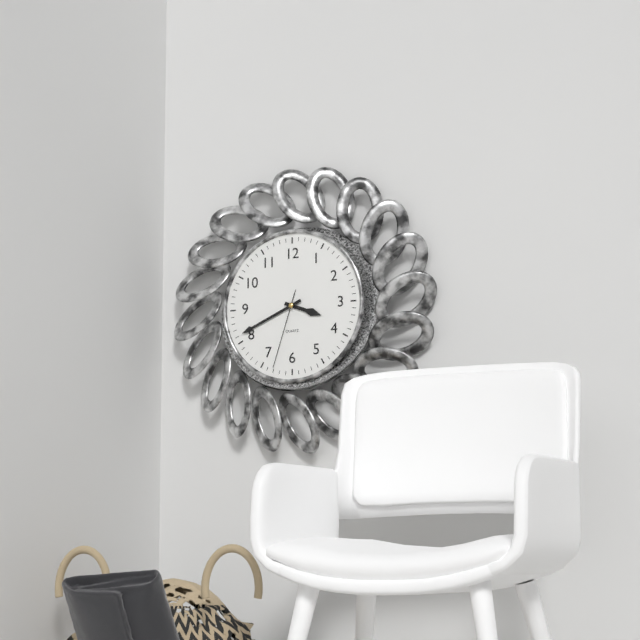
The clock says {"hour": 3, "minute": 41, "second": 33}
